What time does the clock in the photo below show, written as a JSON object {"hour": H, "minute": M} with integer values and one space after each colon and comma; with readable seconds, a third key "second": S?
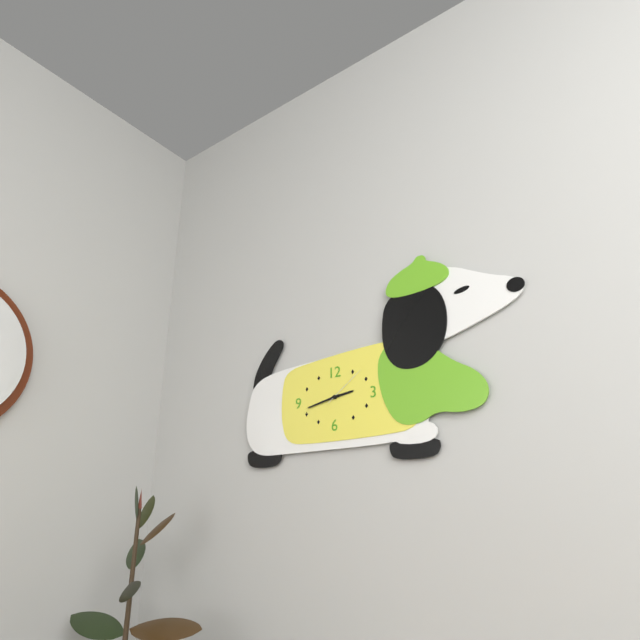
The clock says {"hour": 2, "minute": 43}
